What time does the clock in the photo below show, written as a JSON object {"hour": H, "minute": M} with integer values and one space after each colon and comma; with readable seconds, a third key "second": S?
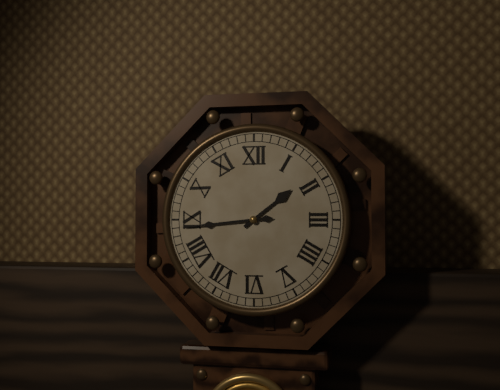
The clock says {"hour": 1, "minute": 44}
